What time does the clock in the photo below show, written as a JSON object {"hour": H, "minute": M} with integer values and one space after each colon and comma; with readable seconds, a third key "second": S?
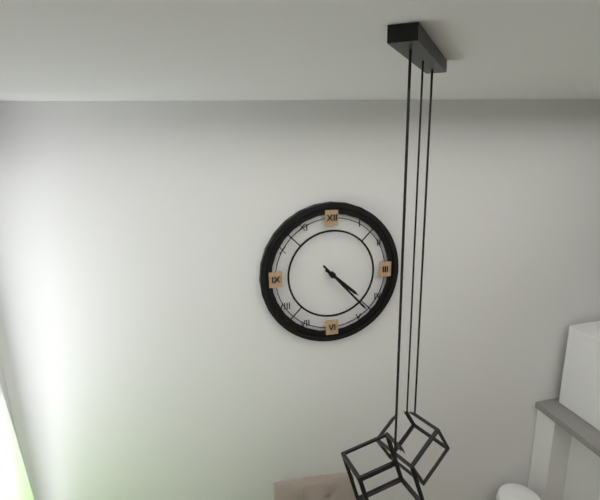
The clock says {"hour": 4, "minute": 23}
